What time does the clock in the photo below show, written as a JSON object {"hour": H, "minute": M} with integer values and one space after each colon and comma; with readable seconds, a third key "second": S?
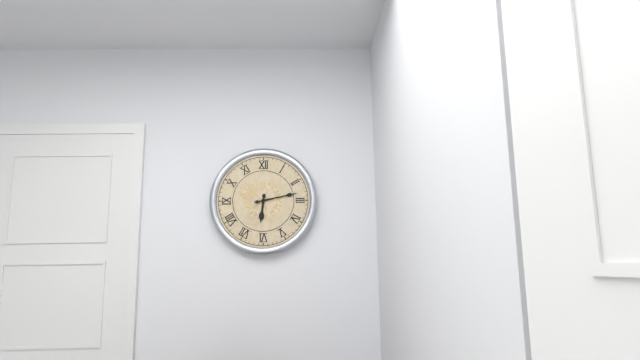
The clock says {"hour": 6, "minute": 13}
